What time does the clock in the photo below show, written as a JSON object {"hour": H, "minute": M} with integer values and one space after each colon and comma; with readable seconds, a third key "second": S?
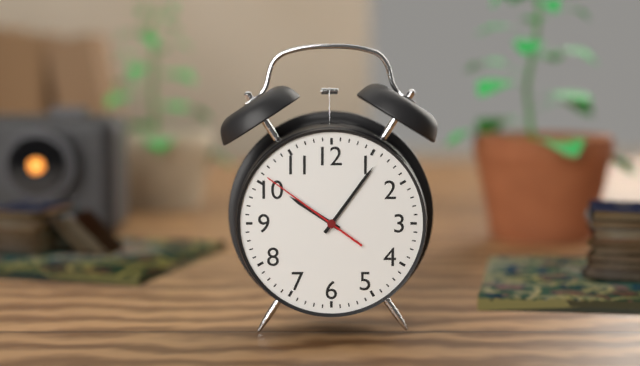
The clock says {"hour": 10, "minute": 6, "second": 51}
